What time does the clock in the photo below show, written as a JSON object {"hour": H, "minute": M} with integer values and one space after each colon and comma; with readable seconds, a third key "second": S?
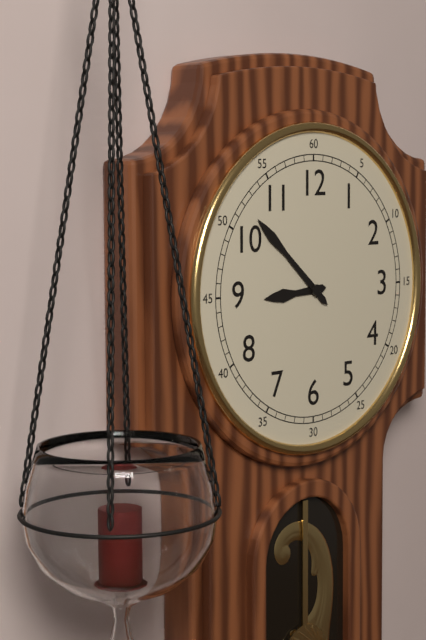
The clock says {"hour": 8, "minute": 52}
